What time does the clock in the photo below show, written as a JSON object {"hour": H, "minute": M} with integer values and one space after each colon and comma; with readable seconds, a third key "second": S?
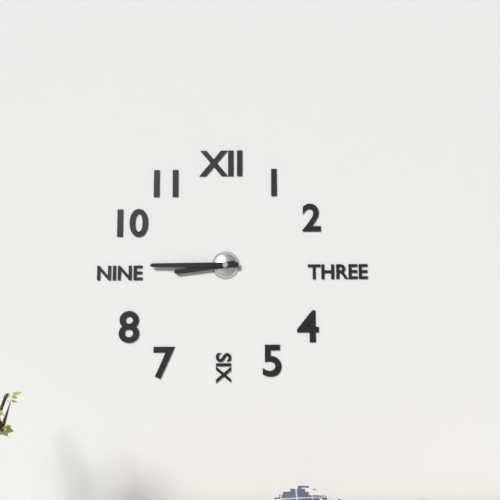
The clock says {"hour": 8, "minute": 45}
